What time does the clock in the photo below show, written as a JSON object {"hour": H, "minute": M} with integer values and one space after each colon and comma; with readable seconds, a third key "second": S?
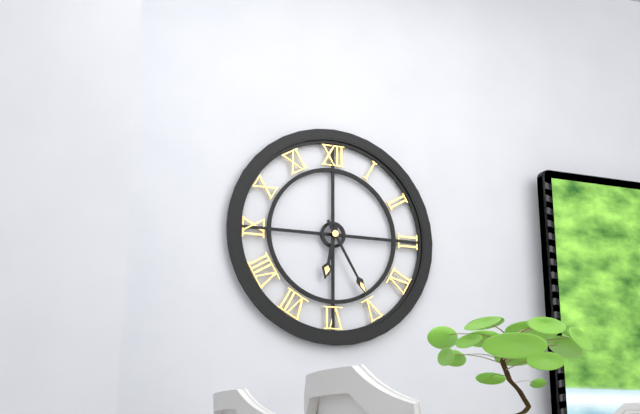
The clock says {"hour": 6, "minute": 25}
